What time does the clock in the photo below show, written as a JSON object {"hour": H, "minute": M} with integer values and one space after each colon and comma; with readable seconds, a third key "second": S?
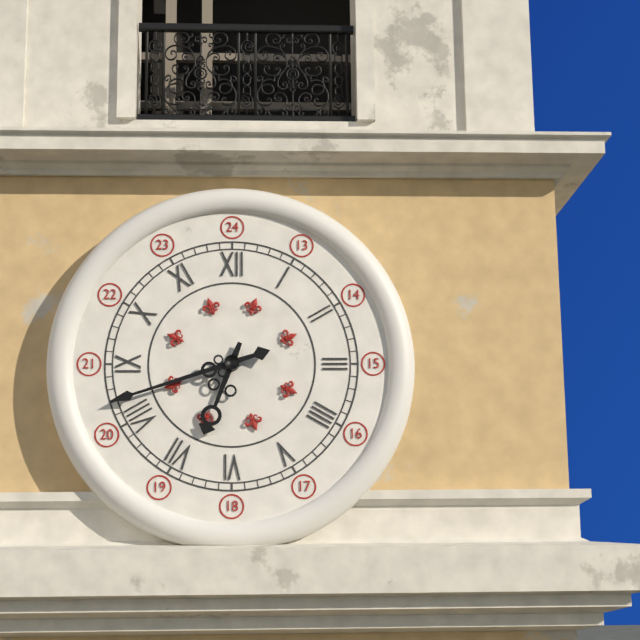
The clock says {"hour": 6, "minute": 42}
